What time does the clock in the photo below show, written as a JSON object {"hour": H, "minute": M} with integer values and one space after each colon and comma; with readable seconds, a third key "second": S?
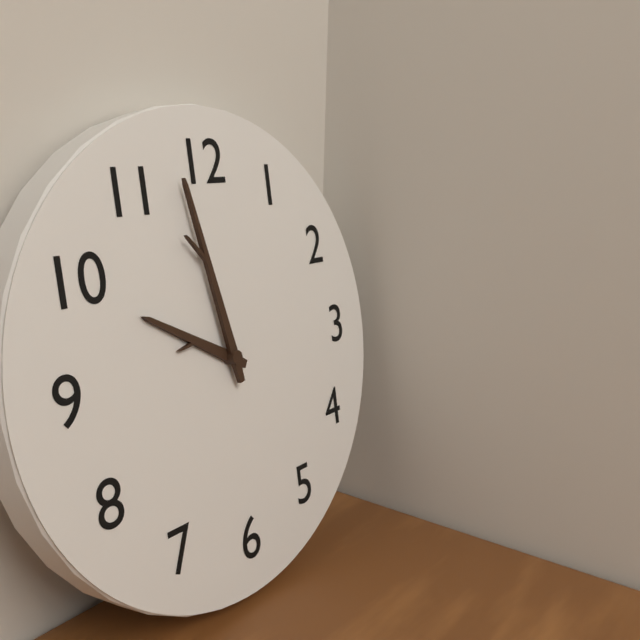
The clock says {"hour": 9, "minute": 58}
